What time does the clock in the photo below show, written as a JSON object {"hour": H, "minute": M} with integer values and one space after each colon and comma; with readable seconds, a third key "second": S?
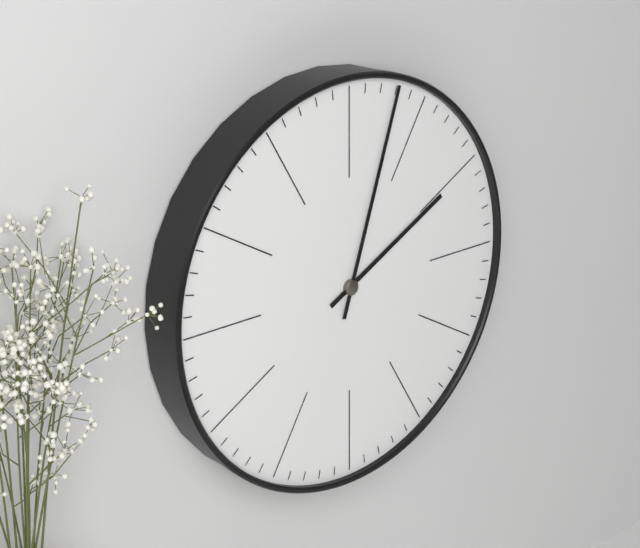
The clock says {"hour": 2, "minute": 3}
